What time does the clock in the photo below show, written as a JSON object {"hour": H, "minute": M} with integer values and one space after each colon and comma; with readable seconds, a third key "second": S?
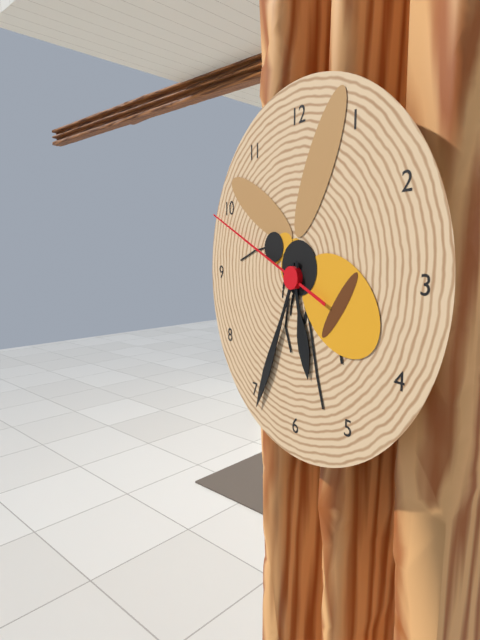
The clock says {"hour": 5, "minute": 34, "second": 49}
